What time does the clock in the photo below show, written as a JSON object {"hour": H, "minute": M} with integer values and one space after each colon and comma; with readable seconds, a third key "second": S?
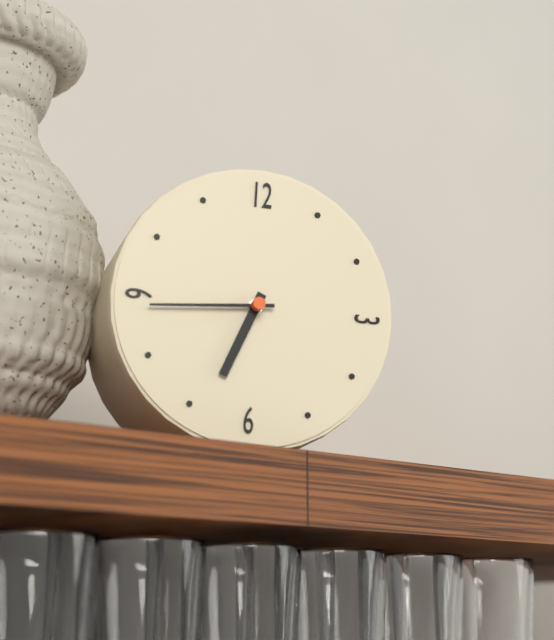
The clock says {"hour": 6, "minute": 44}
